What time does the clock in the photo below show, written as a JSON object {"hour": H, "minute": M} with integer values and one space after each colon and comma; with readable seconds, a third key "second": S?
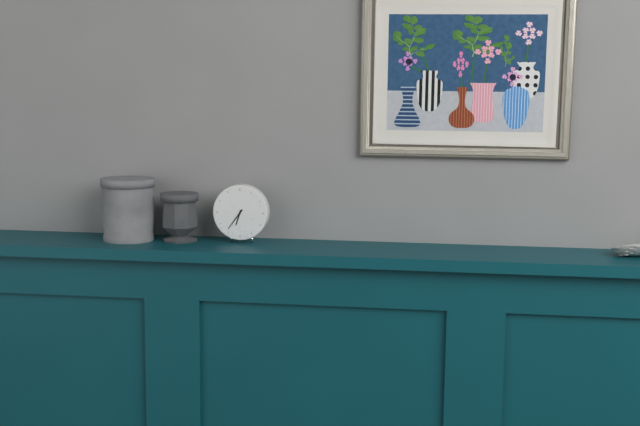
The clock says {"hour": 6, "minute": 36}
